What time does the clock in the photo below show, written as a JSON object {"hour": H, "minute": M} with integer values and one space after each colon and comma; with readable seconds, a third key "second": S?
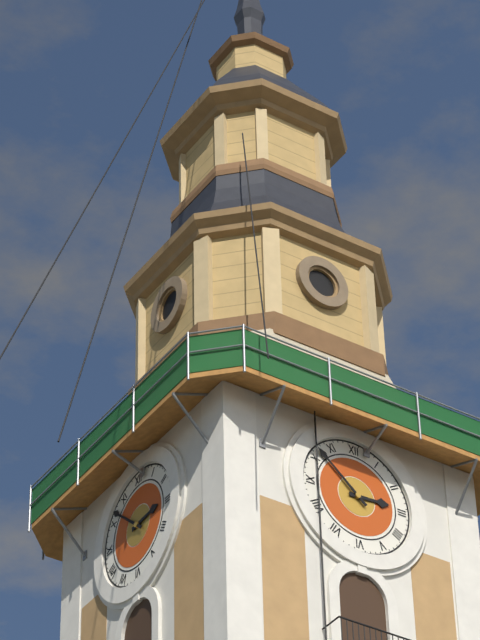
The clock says {"hour": 2, "minute": 52}
